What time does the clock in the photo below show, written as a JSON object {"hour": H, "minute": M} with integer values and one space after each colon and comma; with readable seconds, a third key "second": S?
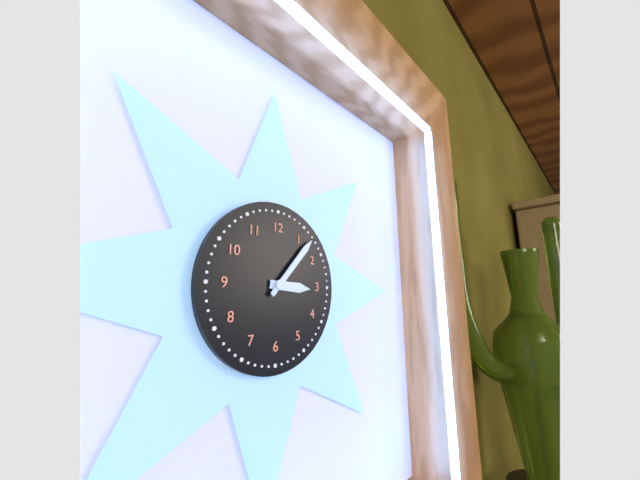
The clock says {"hour": 3, "minute": 7}
